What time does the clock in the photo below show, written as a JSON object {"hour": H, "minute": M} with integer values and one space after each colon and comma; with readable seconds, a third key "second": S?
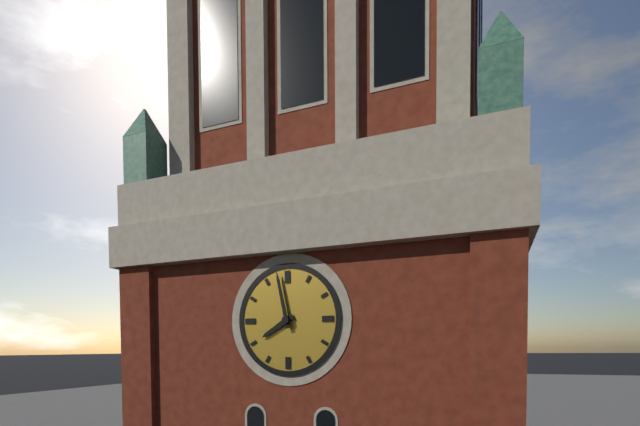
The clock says {"hour": 7, "minute": 58}
